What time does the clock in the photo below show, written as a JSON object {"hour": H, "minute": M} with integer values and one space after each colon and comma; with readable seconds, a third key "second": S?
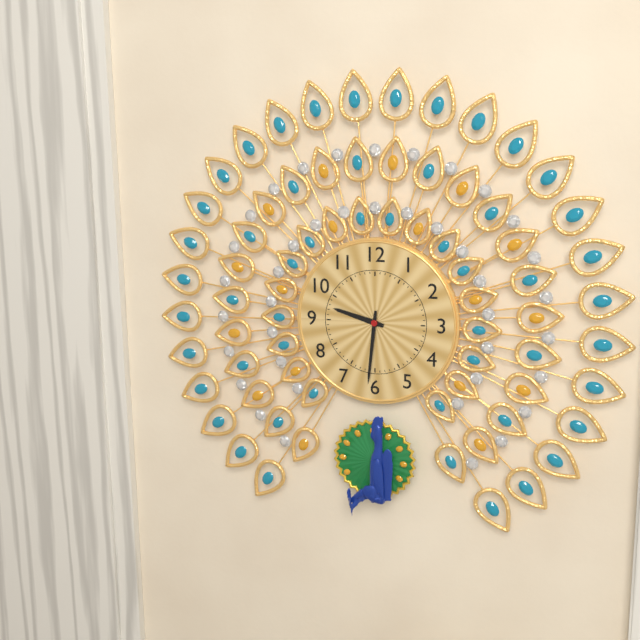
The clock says {"hour": 9, "minute": 31}
